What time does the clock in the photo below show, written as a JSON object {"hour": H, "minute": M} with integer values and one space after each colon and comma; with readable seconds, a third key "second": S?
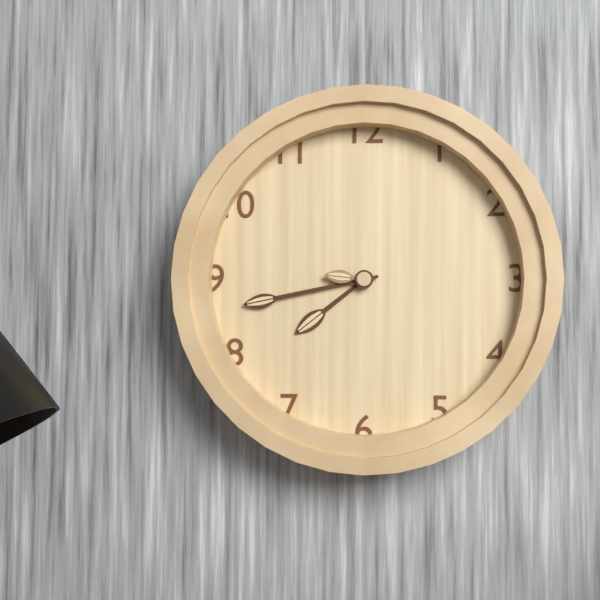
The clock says {"hour": 7, "minute": 43, "second": 46}
